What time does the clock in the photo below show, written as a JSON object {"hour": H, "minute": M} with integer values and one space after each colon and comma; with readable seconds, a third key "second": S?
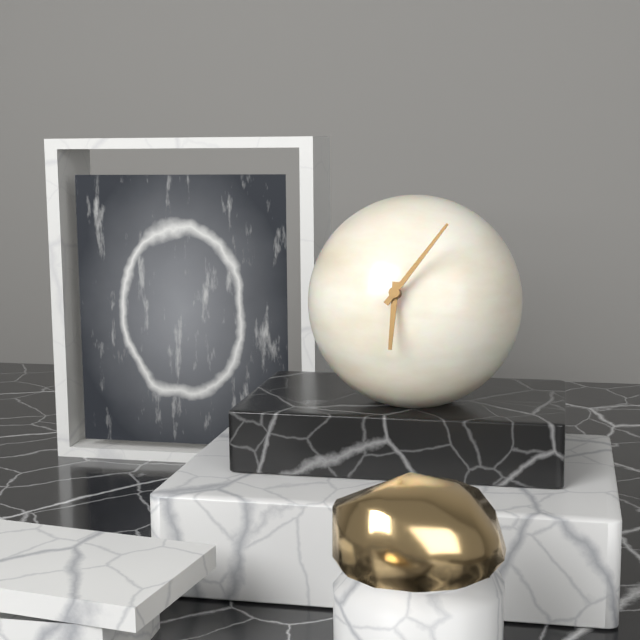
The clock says {"hour": 6, "minute": 6}
